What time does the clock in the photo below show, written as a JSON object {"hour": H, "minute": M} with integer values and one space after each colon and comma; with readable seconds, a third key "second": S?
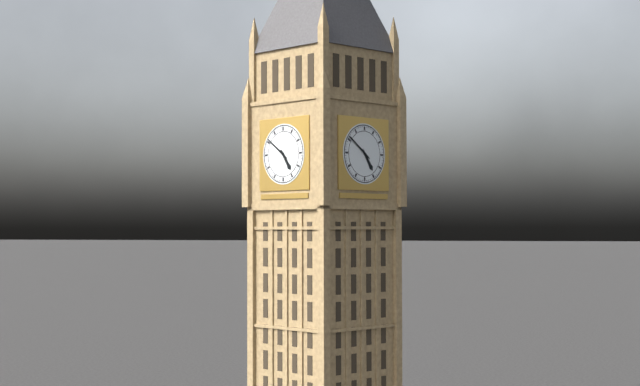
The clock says {"hour": 4, "minute": 51}
